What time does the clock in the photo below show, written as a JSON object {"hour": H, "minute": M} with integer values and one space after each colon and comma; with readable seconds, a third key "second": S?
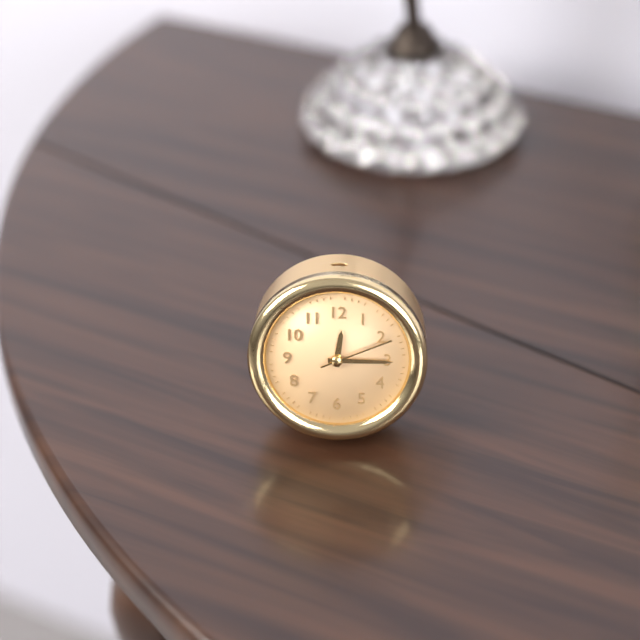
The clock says {"hour": 12, "minute": 15, "second": 11}
